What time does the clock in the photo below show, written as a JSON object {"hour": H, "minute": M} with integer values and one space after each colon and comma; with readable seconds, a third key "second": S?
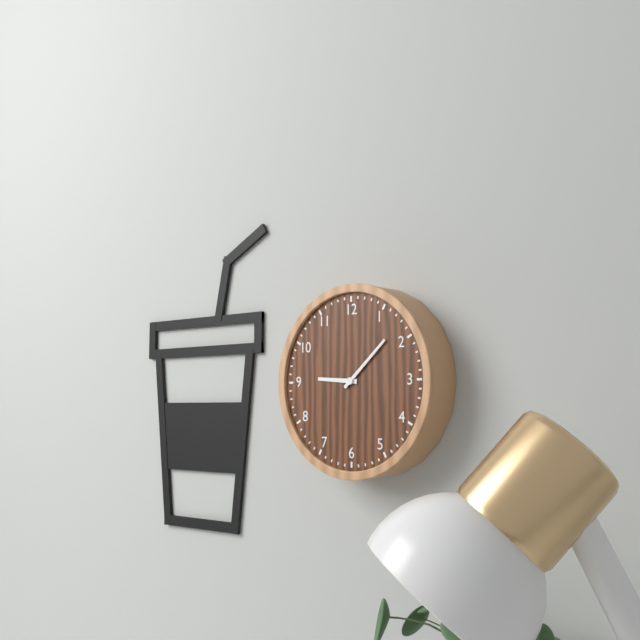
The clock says {"hour": 9, "minute": 8}
